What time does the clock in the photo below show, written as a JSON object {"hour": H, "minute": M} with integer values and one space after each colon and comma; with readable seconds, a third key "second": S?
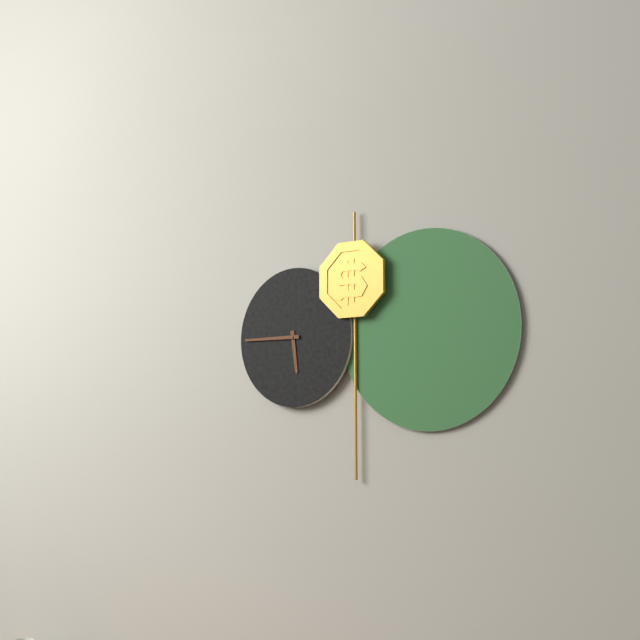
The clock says {"hour": 5, "minute": 45}
